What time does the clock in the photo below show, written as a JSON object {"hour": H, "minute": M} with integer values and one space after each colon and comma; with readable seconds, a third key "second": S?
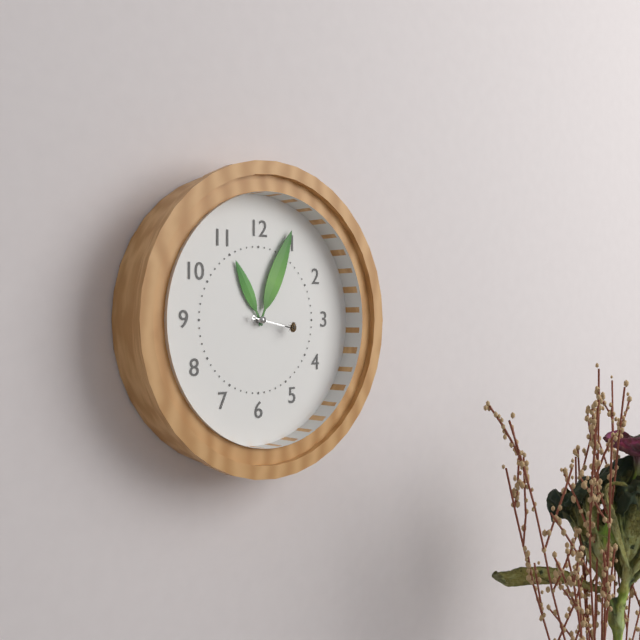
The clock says {"hour": 11, "minute": 4}
